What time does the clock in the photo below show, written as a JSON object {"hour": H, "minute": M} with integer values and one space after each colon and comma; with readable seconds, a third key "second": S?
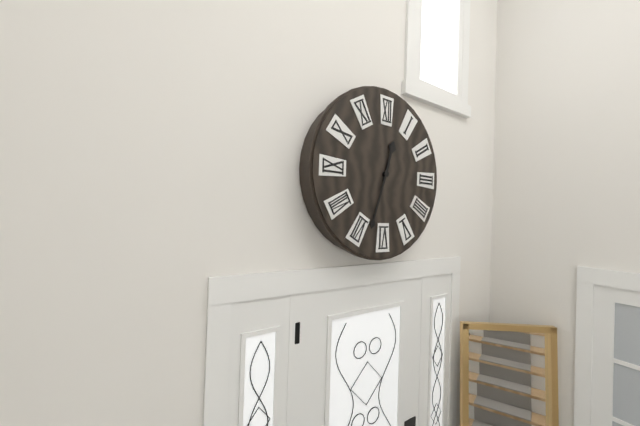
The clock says {"hour": 12, "minute": 33}
